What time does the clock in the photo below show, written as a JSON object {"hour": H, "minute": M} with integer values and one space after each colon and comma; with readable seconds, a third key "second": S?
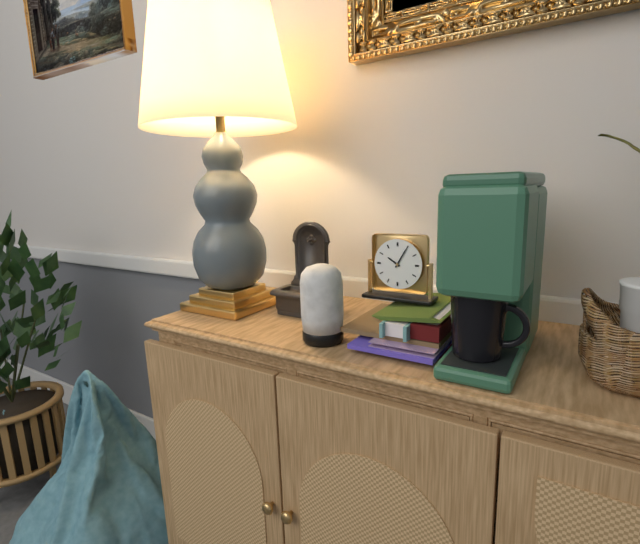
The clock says {"hour": 10, "minute": 5}
